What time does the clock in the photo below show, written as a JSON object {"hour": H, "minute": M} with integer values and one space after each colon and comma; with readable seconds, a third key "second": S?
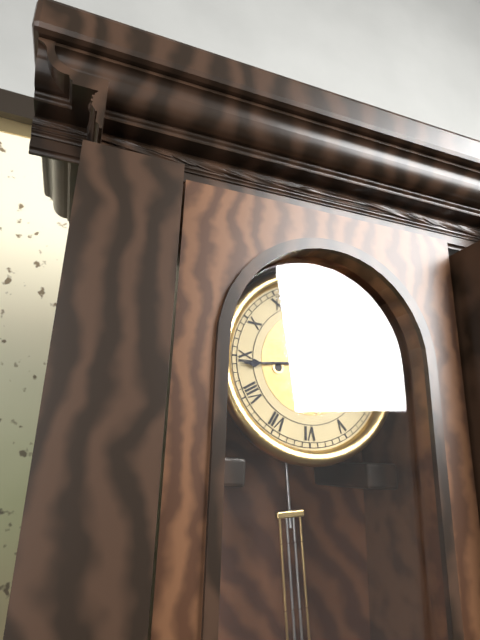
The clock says {"hour": 5, "minute": 44}
